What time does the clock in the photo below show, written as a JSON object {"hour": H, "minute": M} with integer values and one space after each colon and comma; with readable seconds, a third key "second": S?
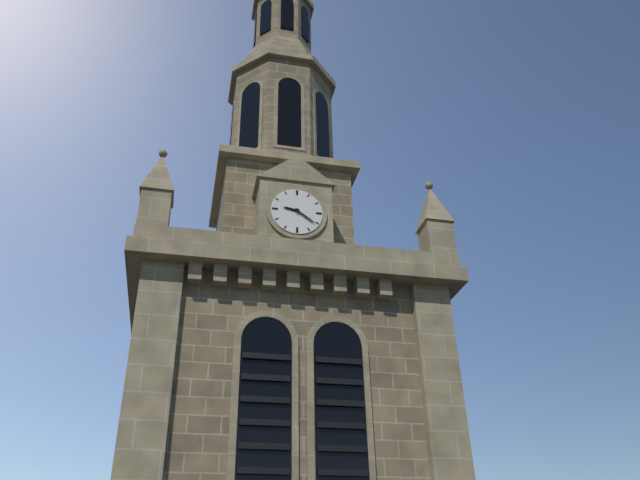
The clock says {"hour": 9, "minute": 21}
